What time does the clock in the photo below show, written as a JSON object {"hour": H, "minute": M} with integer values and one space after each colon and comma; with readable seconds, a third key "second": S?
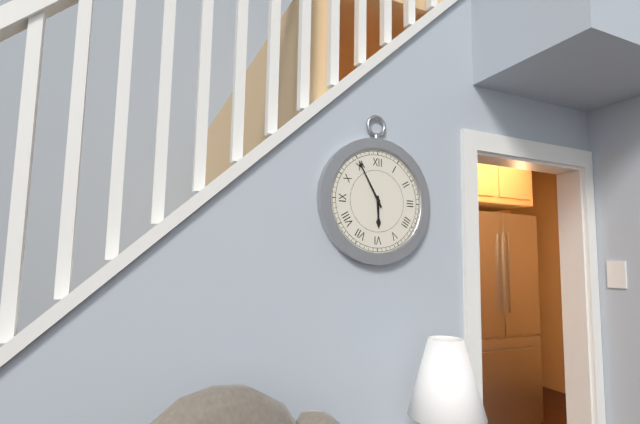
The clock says {"hour": 5, "minute": 55}
